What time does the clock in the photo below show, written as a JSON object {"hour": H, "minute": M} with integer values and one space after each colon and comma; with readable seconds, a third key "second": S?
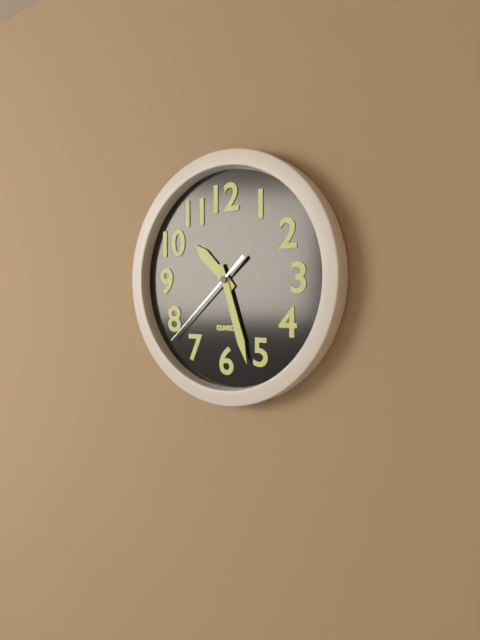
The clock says {"hour": 10, "minute": 27, "second": 38}
